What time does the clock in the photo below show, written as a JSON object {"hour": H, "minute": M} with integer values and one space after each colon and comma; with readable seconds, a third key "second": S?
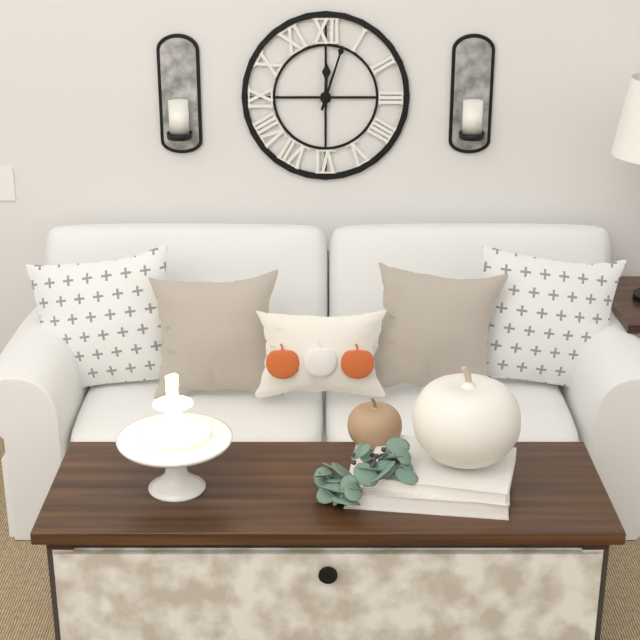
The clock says {"hour": 12, "minute": 3}
